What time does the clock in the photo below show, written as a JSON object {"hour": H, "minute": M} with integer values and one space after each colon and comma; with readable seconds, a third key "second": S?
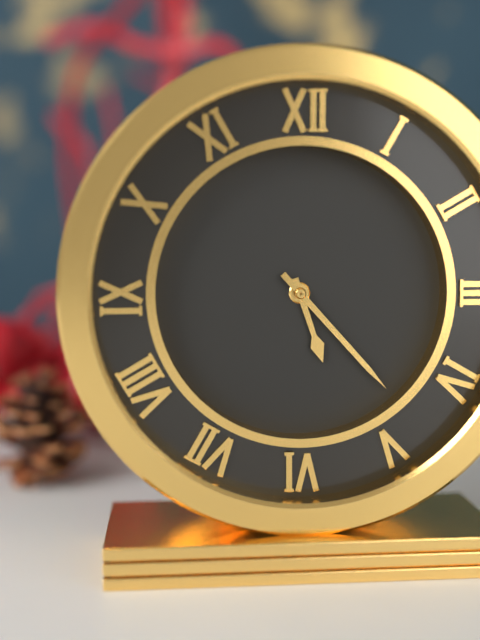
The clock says {"hour": 5, "minute": 23}
